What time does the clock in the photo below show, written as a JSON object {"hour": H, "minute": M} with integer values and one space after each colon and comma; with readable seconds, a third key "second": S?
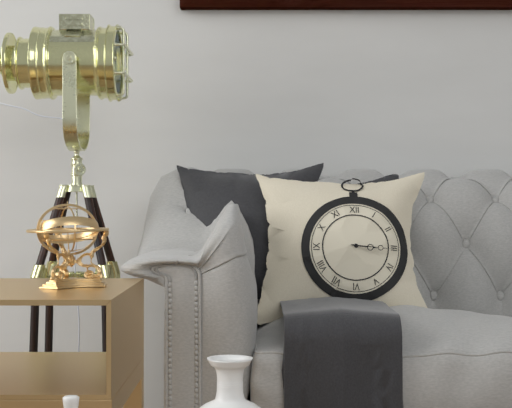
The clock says {"hour": 3, "minute": 16}
